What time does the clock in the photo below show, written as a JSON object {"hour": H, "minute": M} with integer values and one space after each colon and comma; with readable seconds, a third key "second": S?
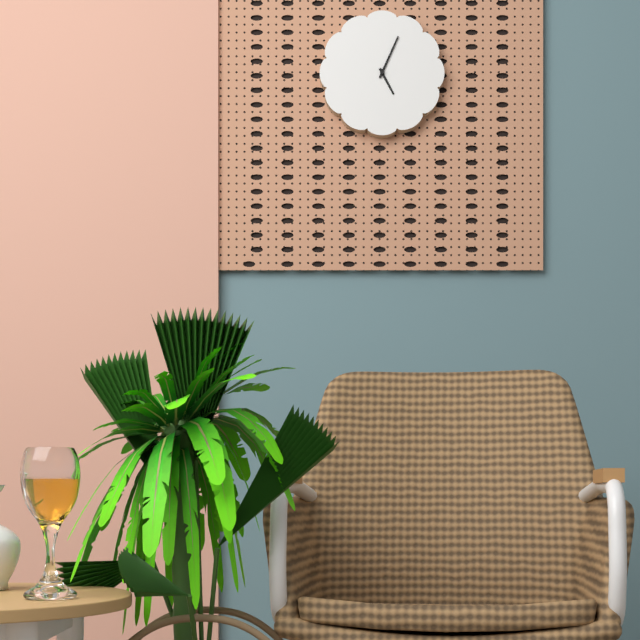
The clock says {"hour": 5, "minute": 4}
